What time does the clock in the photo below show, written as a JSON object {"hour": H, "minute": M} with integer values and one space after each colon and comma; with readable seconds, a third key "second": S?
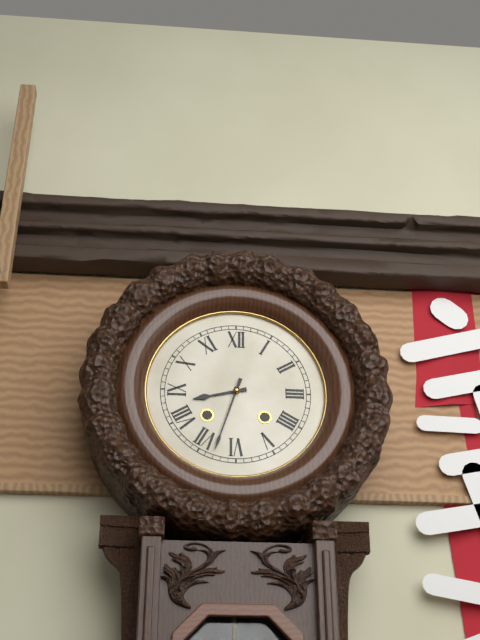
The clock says {"hour": 8, "minute": 33}
